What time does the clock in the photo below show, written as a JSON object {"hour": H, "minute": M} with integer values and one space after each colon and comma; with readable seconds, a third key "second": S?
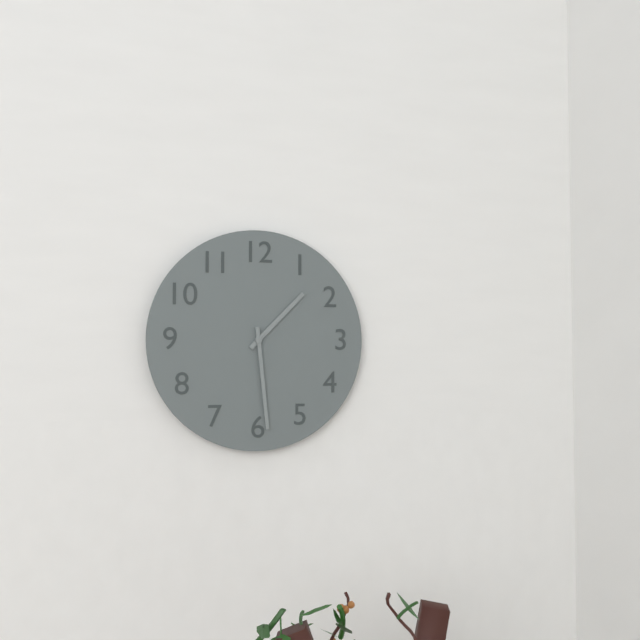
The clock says {"hour": 1, "minute": 29}
